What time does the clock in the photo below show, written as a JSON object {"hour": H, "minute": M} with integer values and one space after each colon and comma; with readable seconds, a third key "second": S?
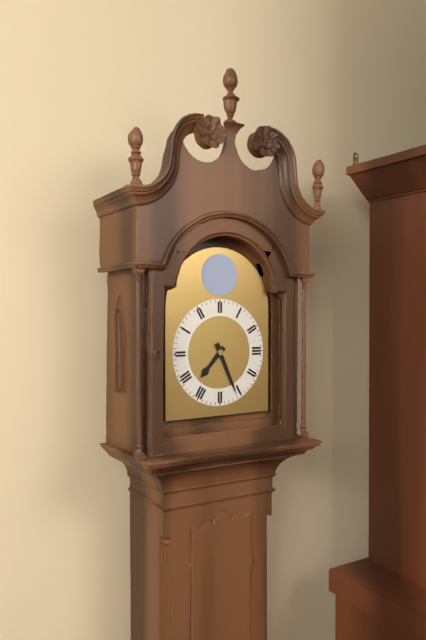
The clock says {"hour": 7, "minute": 26}
